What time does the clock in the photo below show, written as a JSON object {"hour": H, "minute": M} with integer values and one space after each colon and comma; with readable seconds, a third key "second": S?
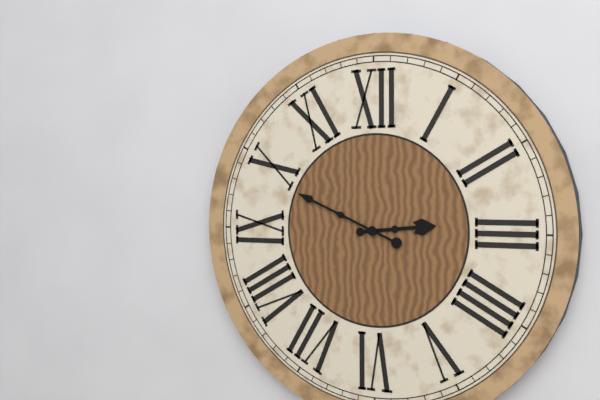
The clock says {"hour": 2, "minute": 49}
